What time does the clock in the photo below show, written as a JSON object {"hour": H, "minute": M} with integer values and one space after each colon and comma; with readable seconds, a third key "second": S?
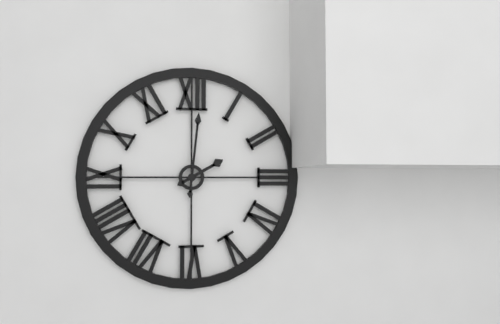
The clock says {"hour": 2, "minute": 1}
